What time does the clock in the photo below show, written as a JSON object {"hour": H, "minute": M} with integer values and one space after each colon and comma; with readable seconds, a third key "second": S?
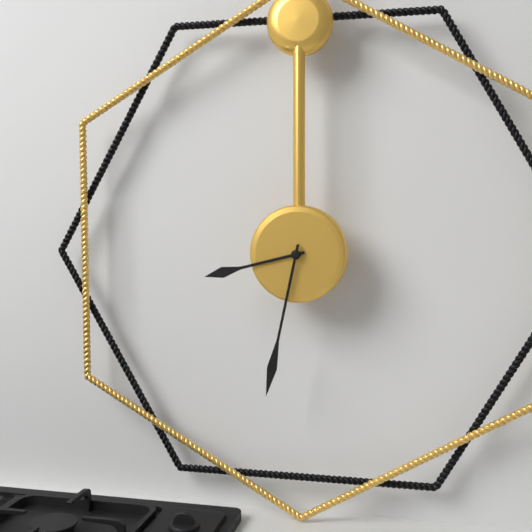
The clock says {"hour": 8, "minute": 32}
